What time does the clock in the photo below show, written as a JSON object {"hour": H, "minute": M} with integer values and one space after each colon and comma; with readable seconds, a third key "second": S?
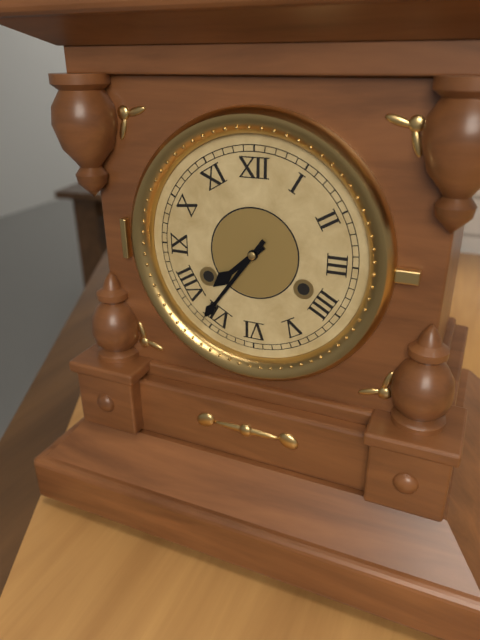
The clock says {"hour": 7, "minute": 36}
